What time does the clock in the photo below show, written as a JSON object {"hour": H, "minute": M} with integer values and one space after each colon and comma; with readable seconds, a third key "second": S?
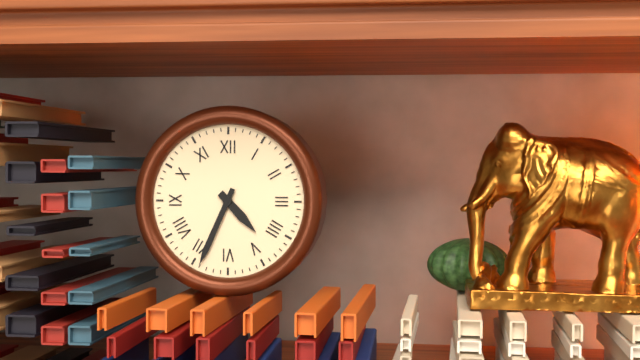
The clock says {"hour": 4, "minute": 34}
